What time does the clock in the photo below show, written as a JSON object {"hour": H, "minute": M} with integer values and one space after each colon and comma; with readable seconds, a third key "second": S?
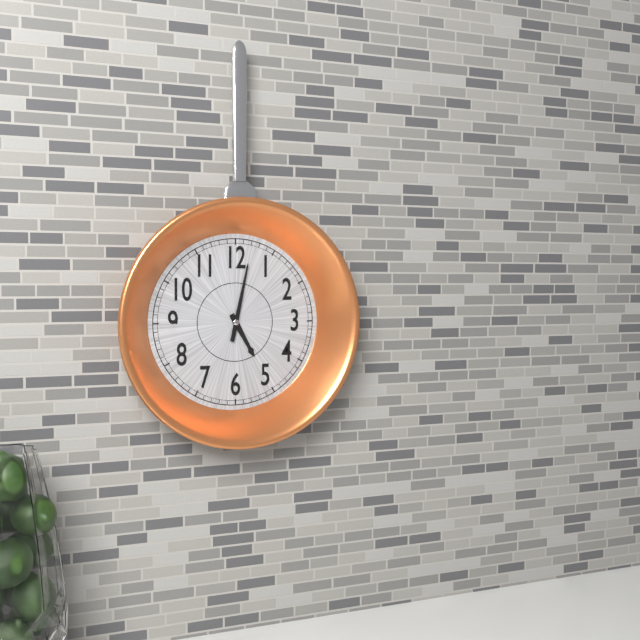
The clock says {"hour": 5, "minute": 2}
